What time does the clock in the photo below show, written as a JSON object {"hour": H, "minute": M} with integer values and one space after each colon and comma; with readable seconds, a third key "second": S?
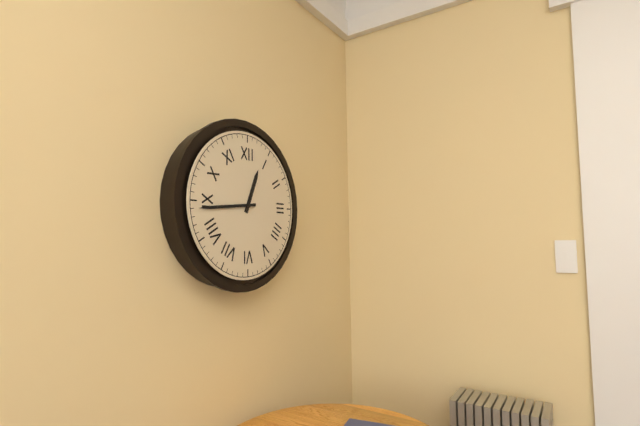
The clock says {"hour": 12, "minute": 44}
